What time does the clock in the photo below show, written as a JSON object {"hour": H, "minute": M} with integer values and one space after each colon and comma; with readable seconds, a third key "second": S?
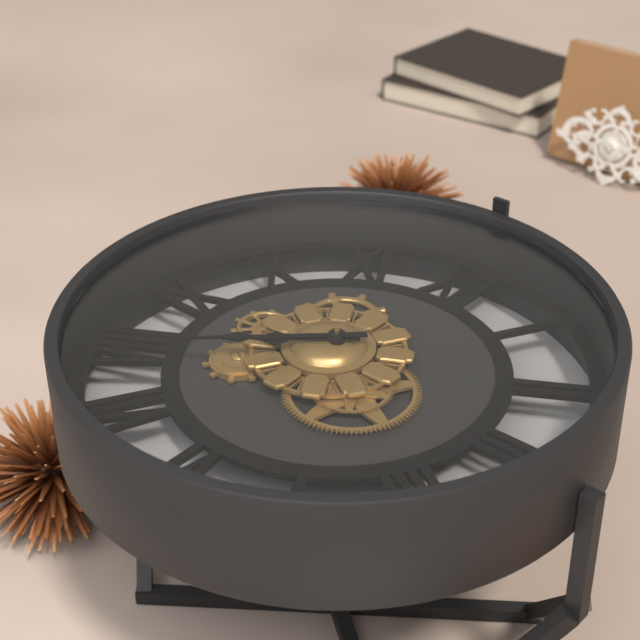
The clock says {"hour": 7, "minute": 38}
